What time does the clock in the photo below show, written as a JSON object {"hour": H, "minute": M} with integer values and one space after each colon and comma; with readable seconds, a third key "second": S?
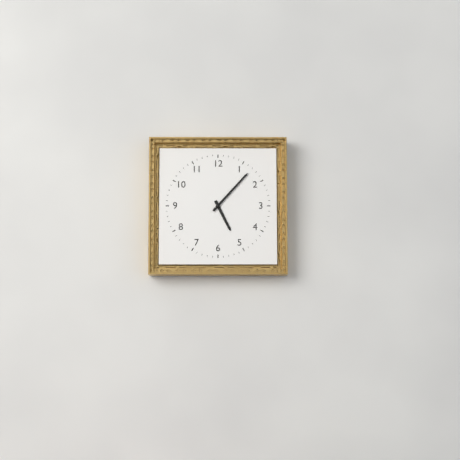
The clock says {"hour": 5, "minute": 7}
